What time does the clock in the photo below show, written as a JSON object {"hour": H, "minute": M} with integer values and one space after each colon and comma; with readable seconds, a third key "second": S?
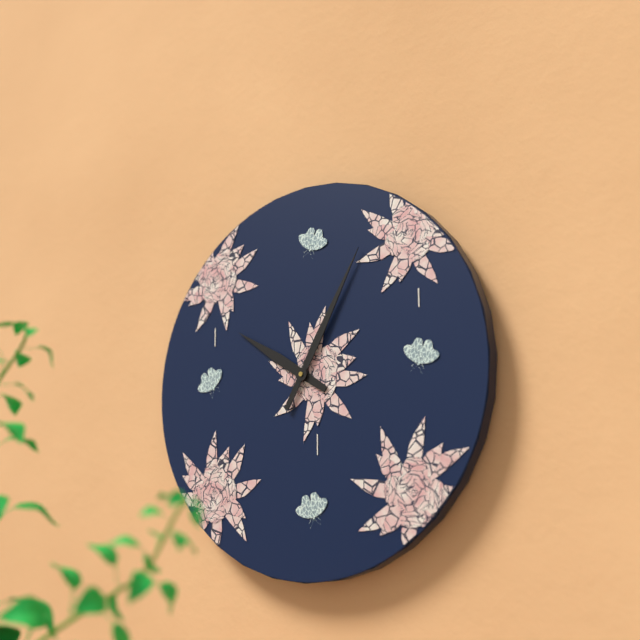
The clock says {"hour": 10, "minute": 5}
